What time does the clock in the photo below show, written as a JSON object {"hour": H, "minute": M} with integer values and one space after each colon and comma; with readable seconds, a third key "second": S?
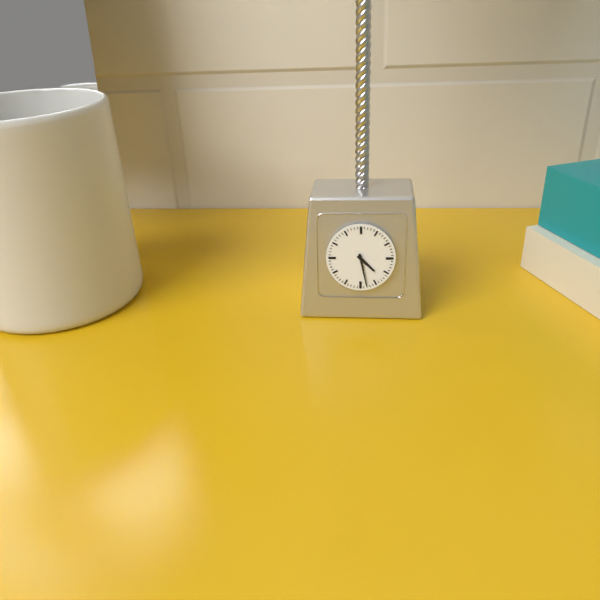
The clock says {"hour": 4, "minute": 28}
